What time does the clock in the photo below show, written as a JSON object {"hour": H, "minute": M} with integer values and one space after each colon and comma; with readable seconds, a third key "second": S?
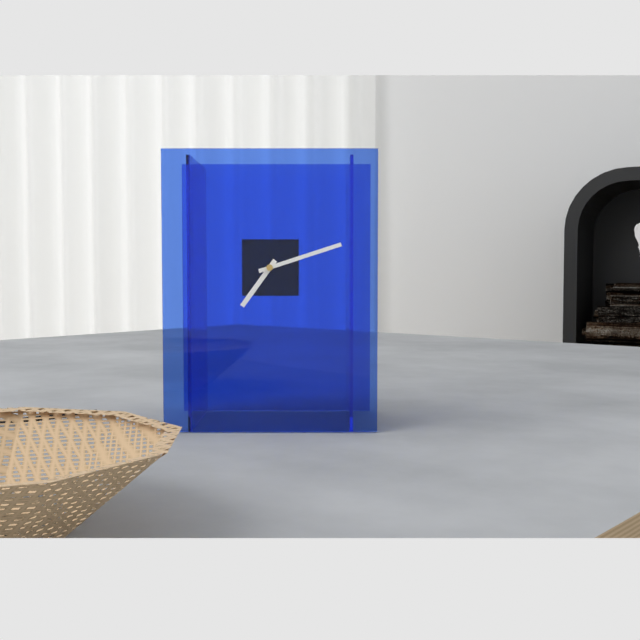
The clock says {"hour": 7, "minute": 12}
